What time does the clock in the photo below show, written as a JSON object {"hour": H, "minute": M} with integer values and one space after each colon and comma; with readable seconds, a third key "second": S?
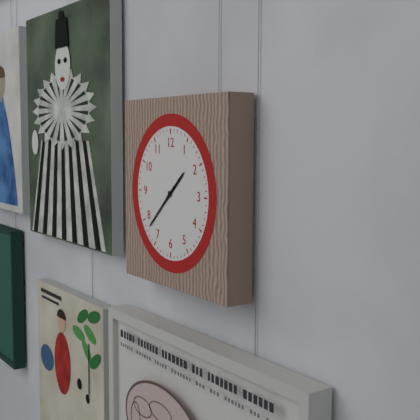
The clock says {"hour": 1, "minute": 38}
